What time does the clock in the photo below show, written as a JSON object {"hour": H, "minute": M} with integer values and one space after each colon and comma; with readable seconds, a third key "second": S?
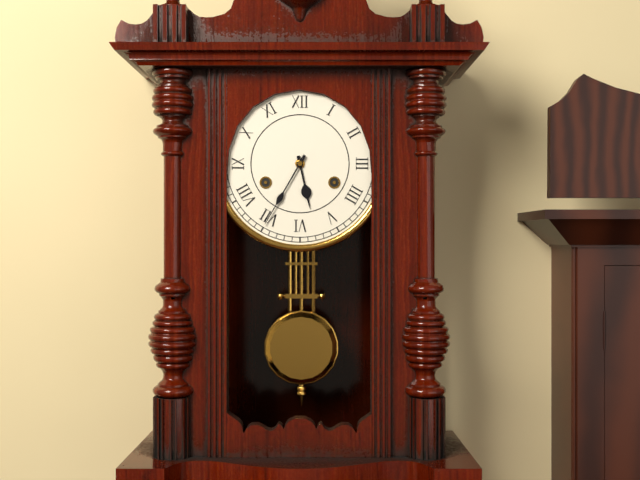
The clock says {"hour": 5, "minute": 35}
